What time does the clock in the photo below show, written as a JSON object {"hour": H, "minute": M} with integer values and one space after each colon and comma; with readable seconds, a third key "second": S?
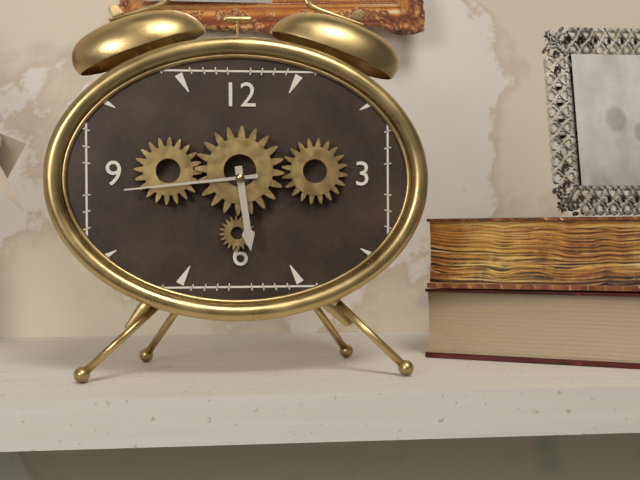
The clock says {"hour": 5, "minute": 44}
